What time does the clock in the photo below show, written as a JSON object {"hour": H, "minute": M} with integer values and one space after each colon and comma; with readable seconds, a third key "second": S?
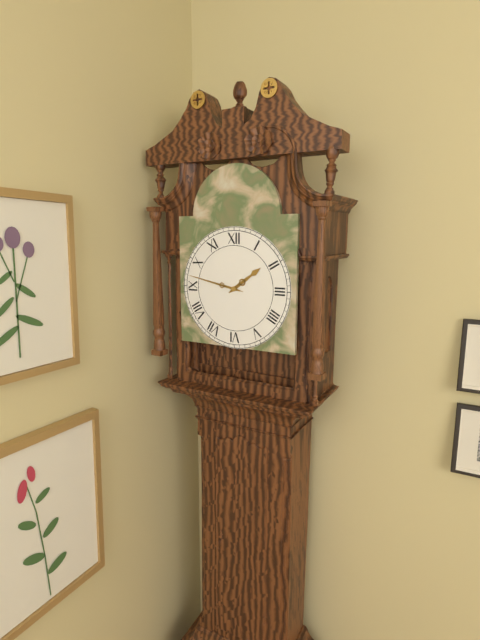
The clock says {"hour": 1, "minute": 47}
